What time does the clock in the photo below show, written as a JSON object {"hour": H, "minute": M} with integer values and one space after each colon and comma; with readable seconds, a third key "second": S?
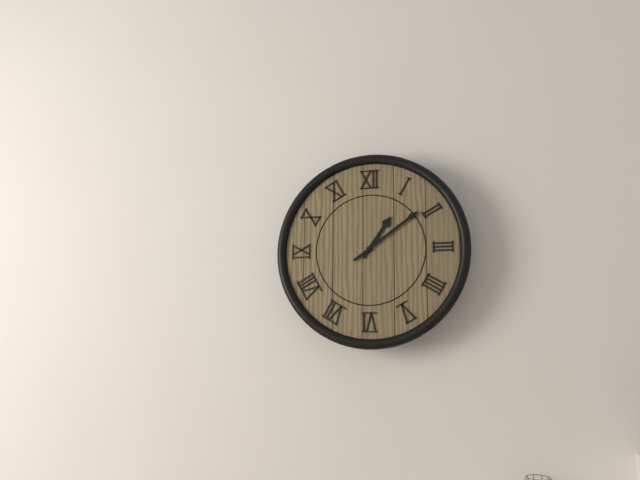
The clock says {"hour": 1, "minute": 9}
